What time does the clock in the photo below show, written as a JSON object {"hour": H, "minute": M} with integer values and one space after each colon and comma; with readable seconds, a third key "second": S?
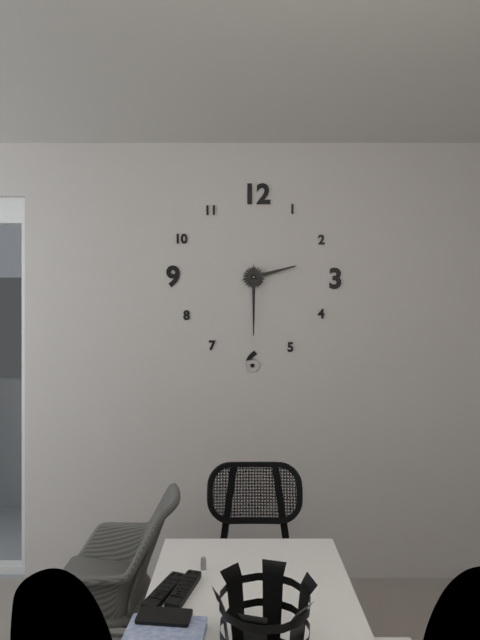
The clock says {"hour": 2, "minute": 30}
